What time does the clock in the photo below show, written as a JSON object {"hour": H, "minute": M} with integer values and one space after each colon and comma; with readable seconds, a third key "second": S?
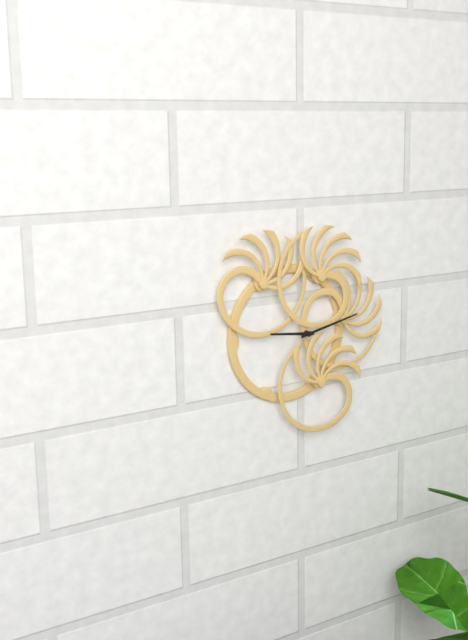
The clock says {"hour": 9, "minute": 13}
